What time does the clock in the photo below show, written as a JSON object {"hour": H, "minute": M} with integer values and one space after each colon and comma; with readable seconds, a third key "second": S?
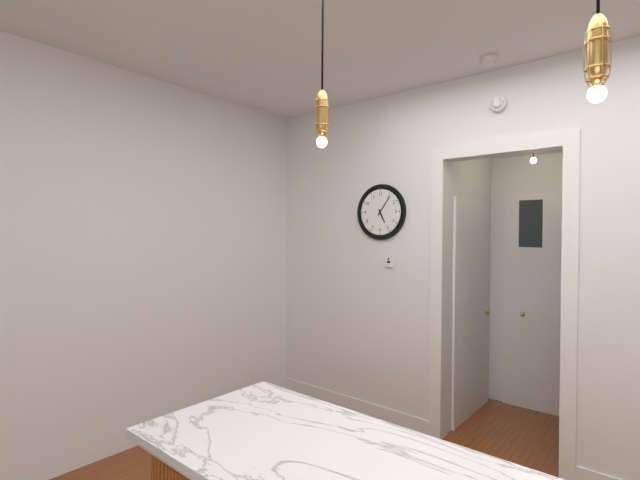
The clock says {"hour": 5, "minute": 6}
